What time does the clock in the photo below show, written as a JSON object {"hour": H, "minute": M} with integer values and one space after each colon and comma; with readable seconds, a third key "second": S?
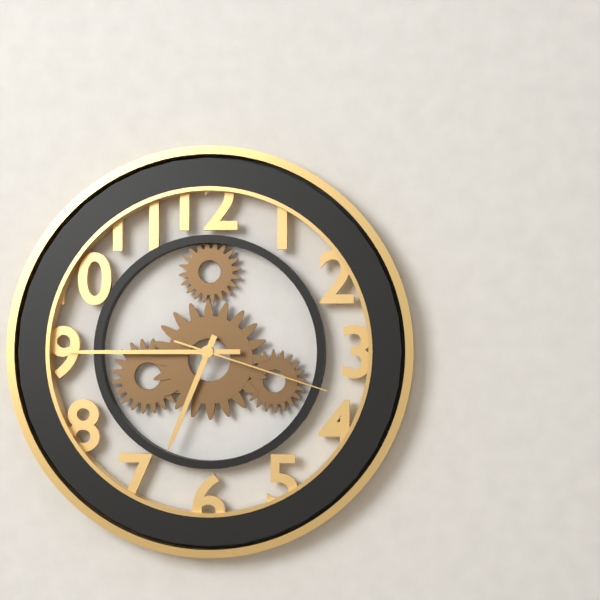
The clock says {"hour": 6, "minute": 45, "second": 18}
